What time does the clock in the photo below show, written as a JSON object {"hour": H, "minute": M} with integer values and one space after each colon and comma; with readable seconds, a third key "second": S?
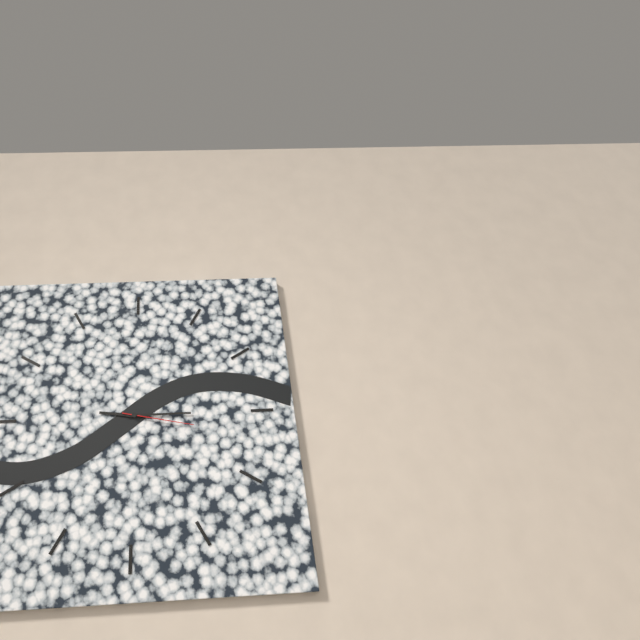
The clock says {"hour": 9, "minute": 15, "second": 17}
